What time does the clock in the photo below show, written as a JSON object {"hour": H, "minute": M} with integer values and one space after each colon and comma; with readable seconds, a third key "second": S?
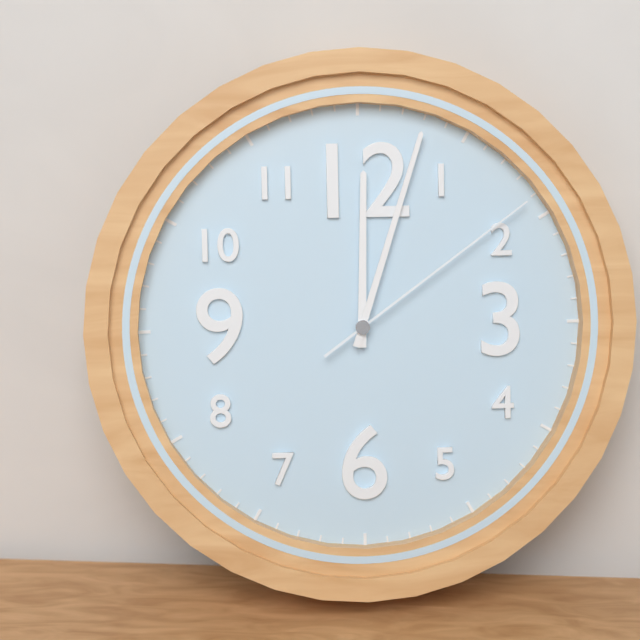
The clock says {"hour": 12, "minute": 3, "second": 9}
